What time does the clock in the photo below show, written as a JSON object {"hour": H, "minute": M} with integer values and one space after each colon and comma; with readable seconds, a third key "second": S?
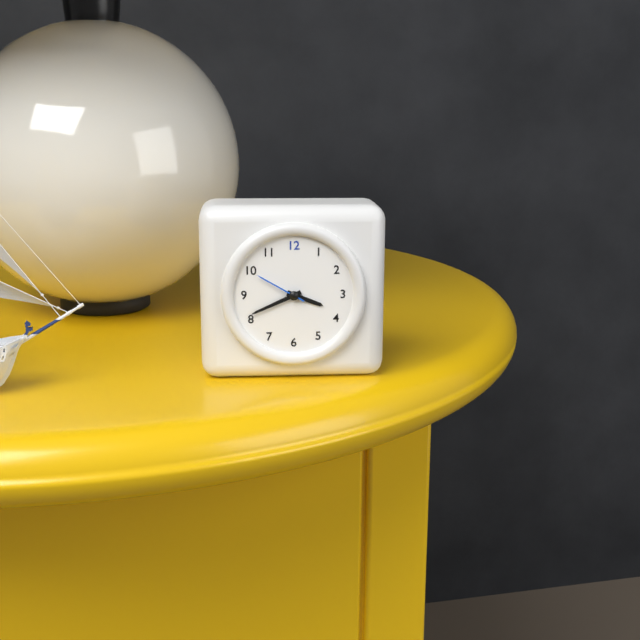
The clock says {"hour": 3, "minute": 41, "second": 50}
